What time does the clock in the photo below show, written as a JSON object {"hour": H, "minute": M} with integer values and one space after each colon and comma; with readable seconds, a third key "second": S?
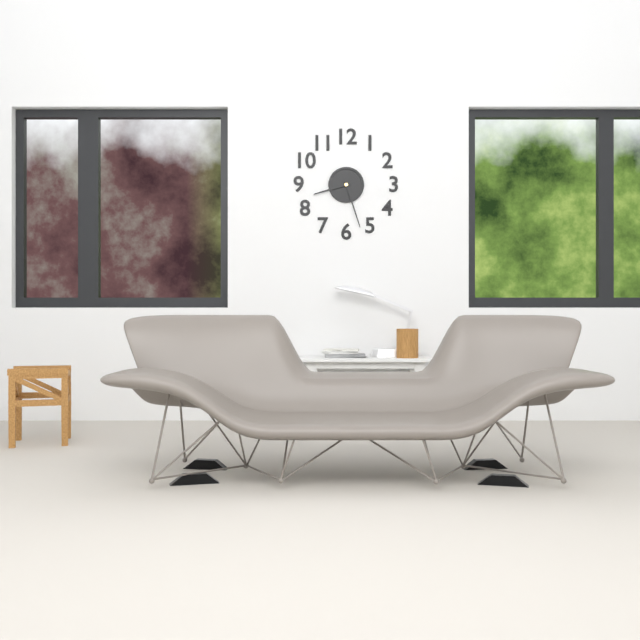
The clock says {"hour": 8, "minute": 27}
